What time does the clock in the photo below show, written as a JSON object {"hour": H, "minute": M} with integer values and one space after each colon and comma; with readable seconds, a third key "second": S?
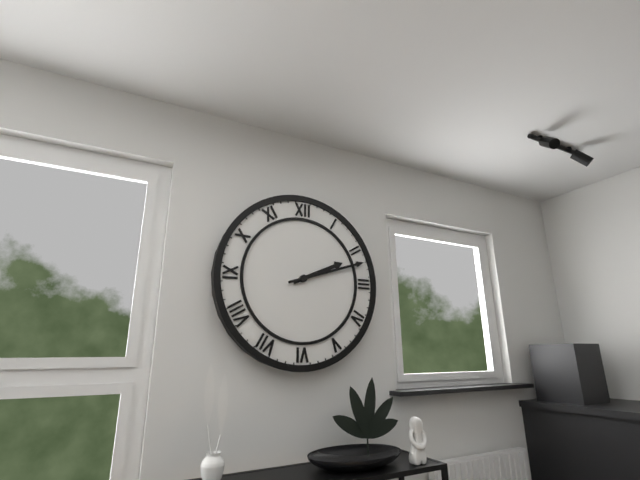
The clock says {"hour": 2, "minute": 12}
